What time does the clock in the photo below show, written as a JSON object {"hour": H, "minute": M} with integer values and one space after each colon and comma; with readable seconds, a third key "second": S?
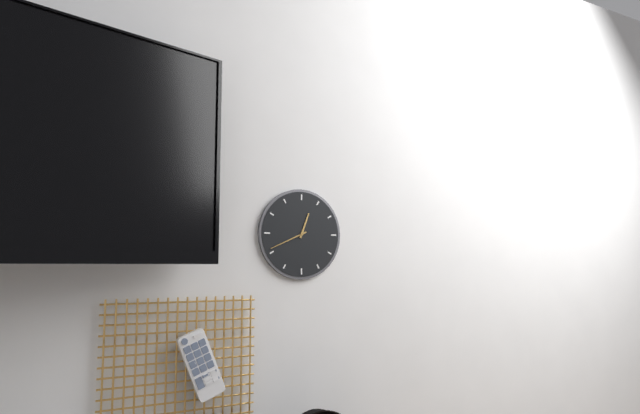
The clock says {"hour": 12, "minute": 41}
